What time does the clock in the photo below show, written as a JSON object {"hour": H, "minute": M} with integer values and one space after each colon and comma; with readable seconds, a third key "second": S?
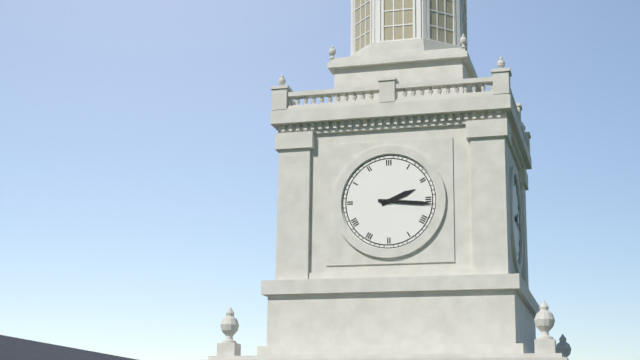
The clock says {"hour": 2, "minute": 16}
